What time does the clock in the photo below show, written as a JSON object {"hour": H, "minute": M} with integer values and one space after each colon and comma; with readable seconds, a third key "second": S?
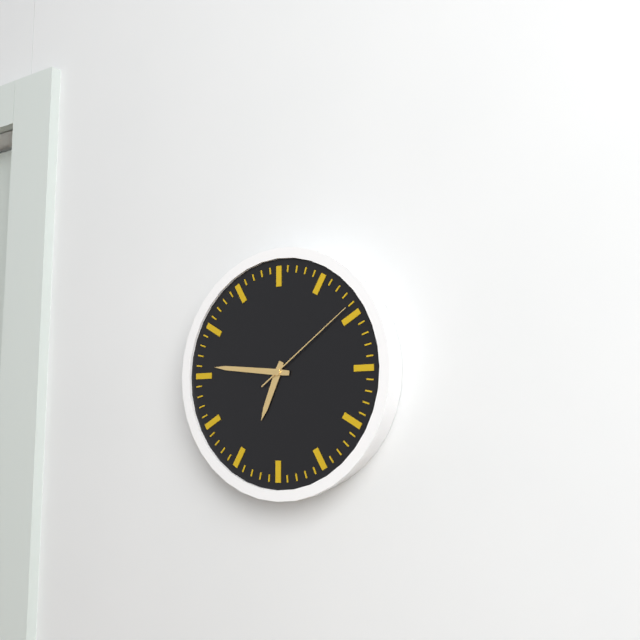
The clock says {"hour": 6, "minute": 46, "second": 9}
